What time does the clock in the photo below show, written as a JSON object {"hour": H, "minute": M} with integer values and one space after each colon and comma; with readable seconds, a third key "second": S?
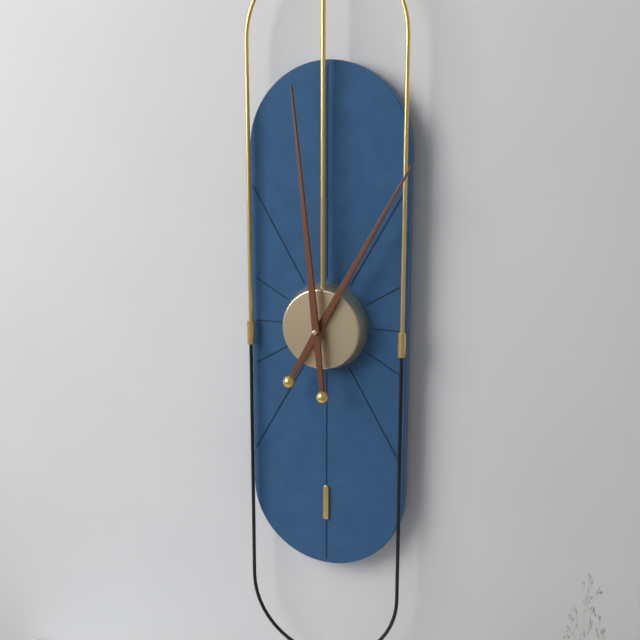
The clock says {"hour": 12, "minute": 59}
